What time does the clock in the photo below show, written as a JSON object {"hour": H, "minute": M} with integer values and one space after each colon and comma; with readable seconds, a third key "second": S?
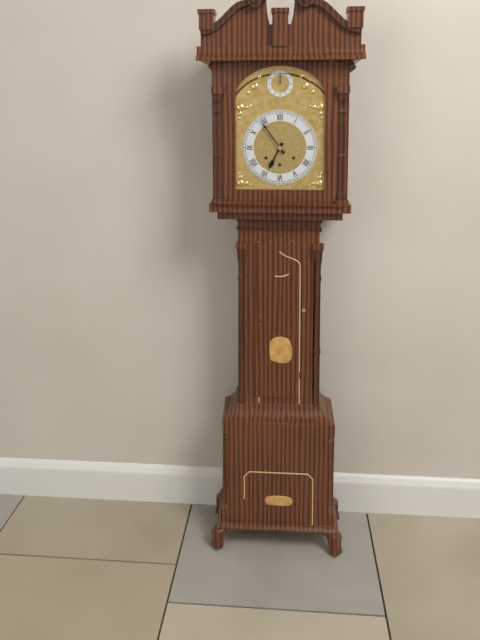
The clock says {"hour": 6, "minute": 54}
